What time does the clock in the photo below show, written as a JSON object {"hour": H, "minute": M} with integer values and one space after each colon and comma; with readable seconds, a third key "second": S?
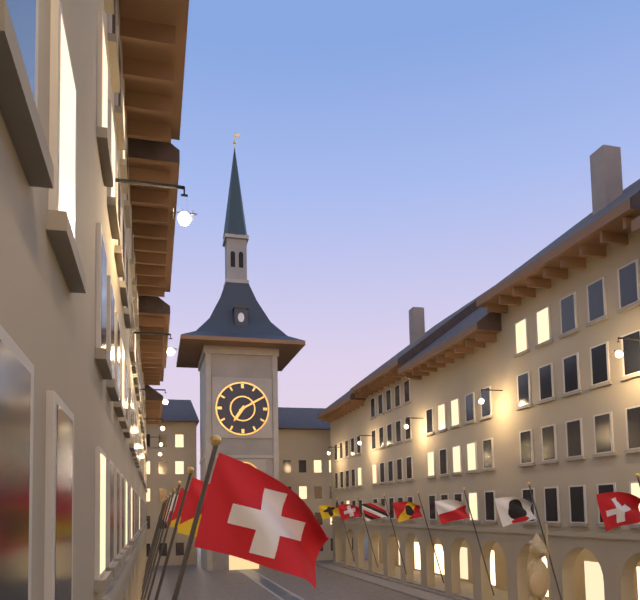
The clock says {"hour": 7, "minute": 10}
